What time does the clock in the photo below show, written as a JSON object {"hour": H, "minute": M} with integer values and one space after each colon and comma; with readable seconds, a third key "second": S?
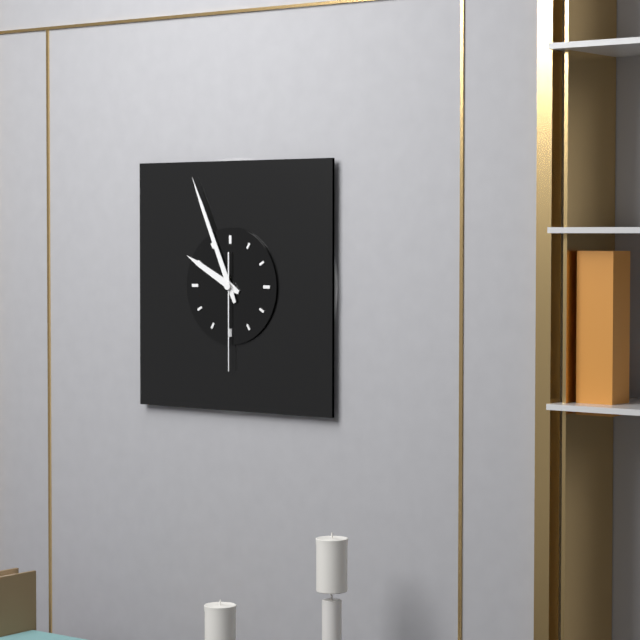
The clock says {"hour": 9, "minute": 56, "second": 30}
